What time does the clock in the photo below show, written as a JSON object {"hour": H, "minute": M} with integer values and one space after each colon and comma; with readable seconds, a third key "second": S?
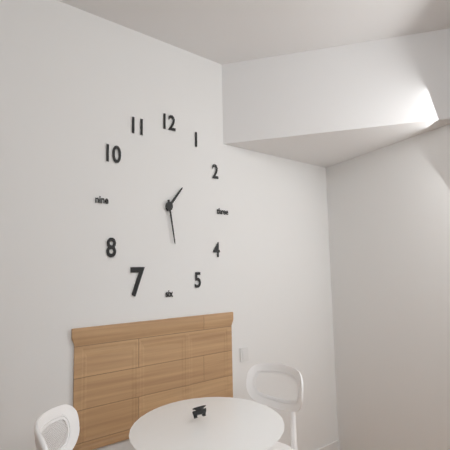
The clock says {"hour": 1, "minute": 28}
